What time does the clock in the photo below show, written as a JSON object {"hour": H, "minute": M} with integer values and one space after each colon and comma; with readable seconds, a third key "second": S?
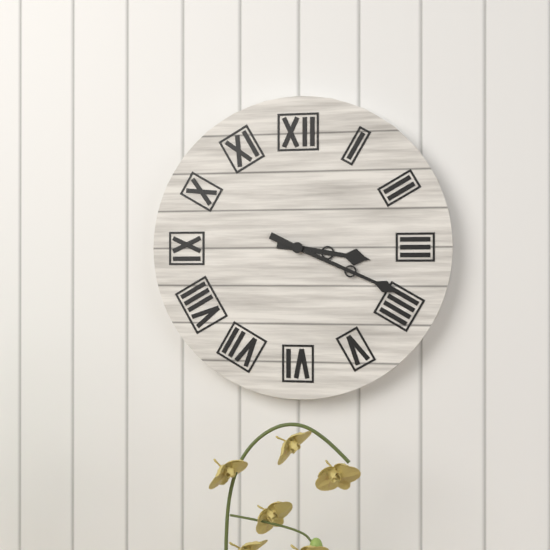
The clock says {"hour": 3, "minute": 19}
